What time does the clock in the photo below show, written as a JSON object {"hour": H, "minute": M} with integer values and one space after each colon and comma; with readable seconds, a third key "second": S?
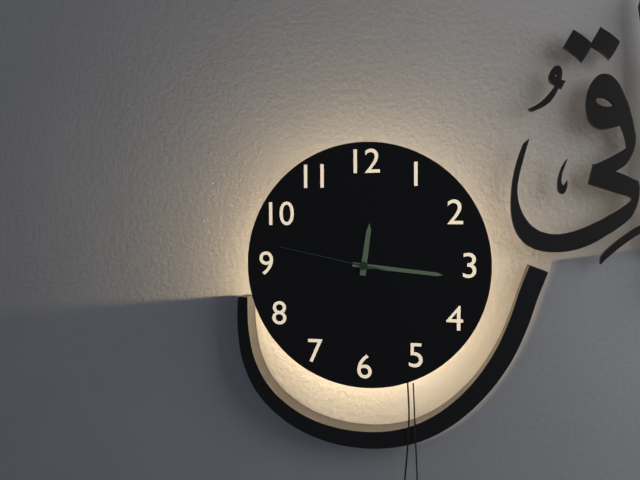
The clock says {"hour": 12, "minute": 16, "second": 47}
